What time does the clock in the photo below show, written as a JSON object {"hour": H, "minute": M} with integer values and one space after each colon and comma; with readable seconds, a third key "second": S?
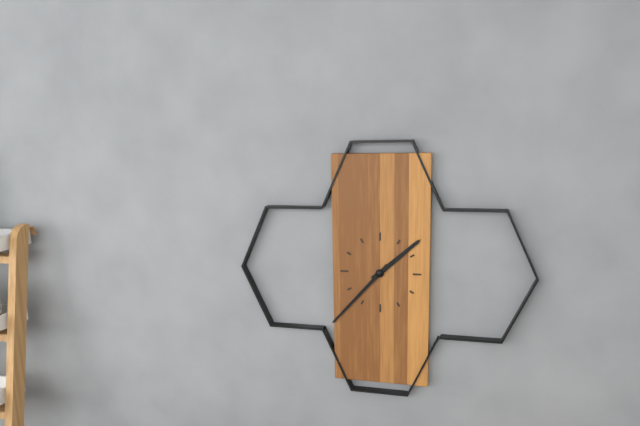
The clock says {"hour": 1, "minute": 37}
